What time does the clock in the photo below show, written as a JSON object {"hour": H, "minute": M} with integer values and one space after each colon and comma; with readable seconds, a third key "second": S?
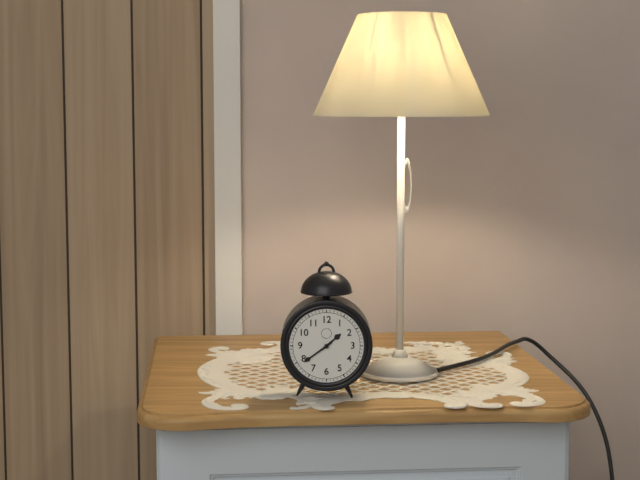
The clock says {"hour": 1, "minute": 39}
